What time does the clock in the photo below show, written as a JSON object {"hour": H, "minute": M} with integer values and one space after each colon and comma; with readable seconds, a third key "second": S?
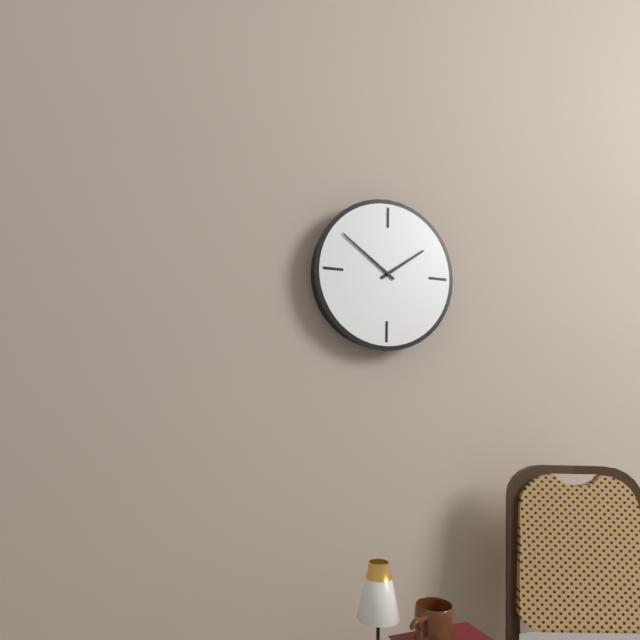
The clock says {"hour": 1, "minute": 51}
